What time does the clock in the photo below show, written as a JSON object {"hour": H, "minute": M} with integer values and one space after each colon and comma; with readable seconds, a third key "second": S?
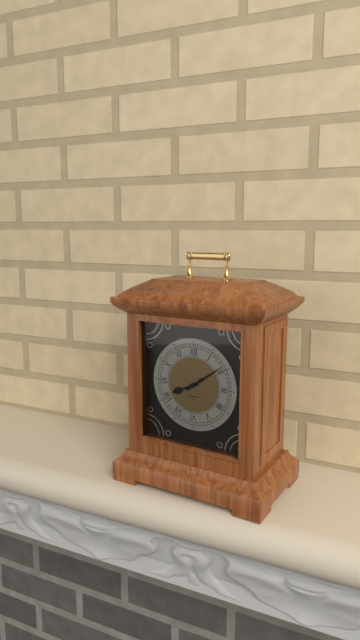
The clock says {"hour": 8, "minute": 9}
